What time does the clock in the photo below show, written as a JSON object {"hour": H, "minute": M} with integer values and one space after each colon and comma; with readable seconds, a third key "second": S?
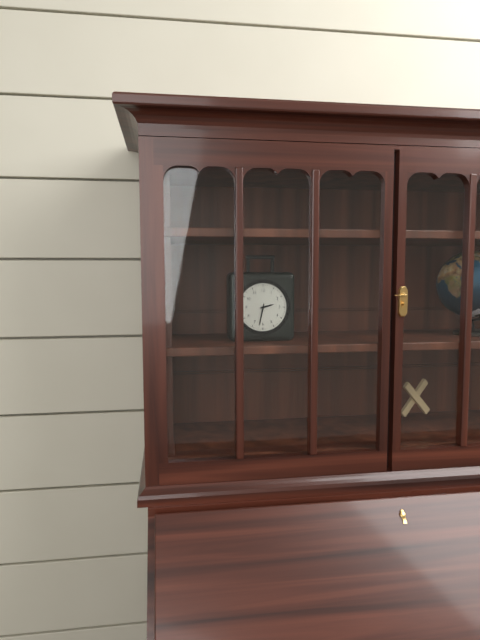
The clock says {"hour": 2, "minute": 32}
